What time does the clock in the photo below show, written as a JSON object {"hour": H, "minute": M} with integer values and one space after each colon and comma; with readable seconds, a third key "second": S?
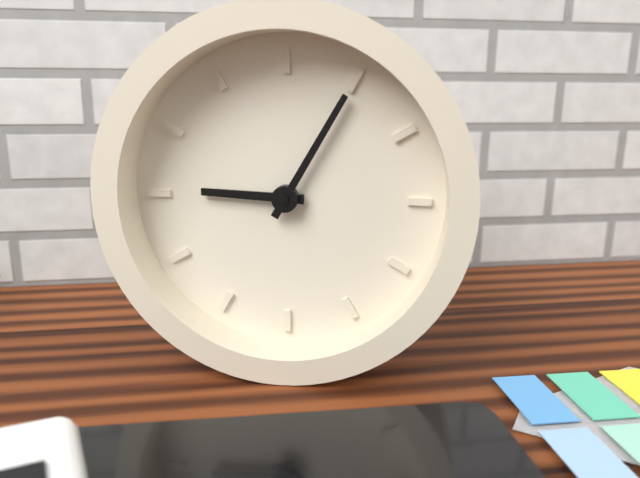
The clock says {"hour": 9, "minute": 5}
